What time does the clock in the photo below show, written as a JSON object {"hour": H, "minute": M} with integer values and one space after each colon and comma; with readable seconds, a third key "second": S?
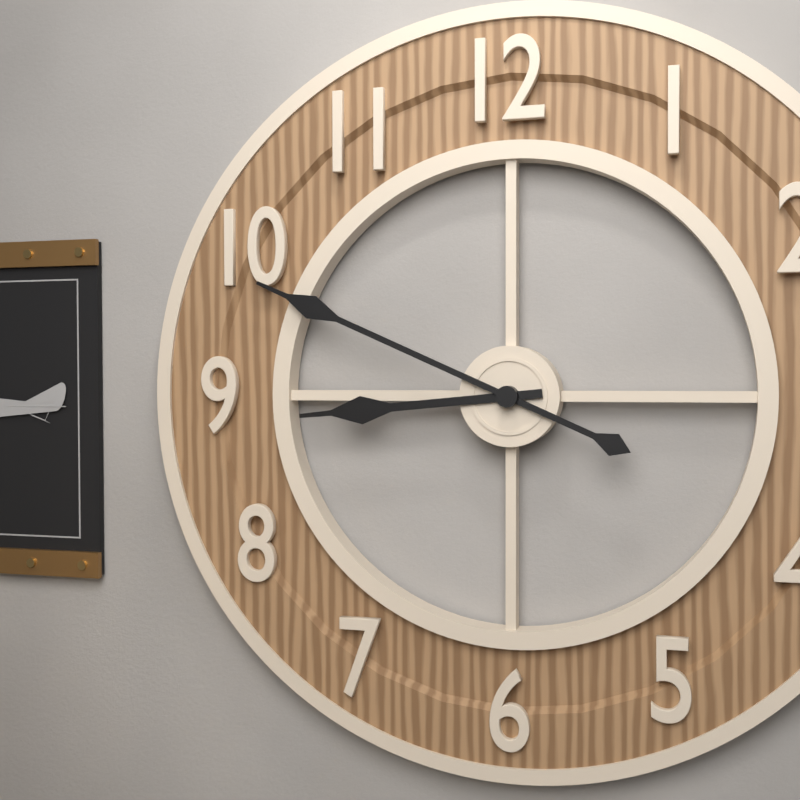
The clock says {"hour": 8, "minute": 49}
